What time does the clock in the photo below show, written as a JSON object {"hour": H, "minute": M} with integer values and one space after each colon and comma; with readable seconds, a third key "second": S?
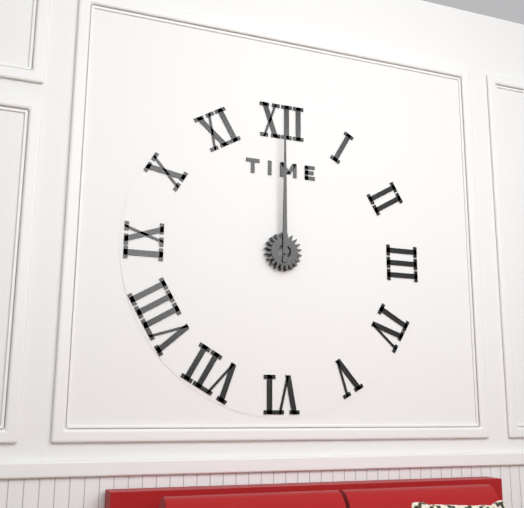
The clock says {"hour": 12, "minute": 0}
